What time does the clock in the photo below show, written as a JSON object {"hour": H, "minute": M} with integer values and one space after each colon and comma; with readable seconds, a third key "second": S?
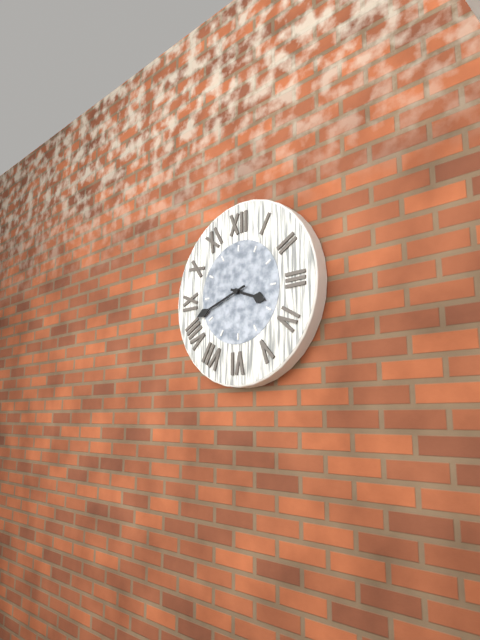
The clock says {"hour": 3, "minute": 42}
